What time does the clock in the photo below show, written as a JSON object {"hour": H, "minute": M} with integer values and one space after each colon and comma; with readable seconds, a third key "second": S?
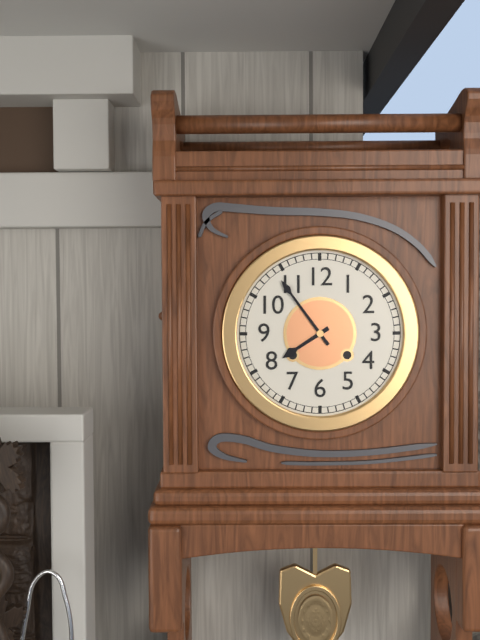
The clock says {"hour": 7, "minute": 54}
